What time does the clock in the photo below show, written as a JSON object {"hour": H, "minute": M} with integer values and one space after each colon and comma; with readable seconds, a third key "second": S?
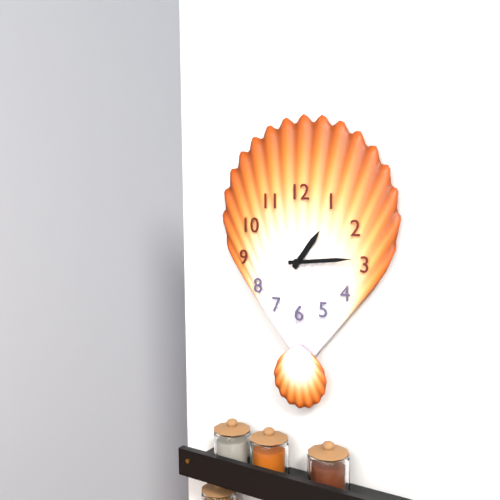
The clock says {"hour": 1, "minute": 14}
